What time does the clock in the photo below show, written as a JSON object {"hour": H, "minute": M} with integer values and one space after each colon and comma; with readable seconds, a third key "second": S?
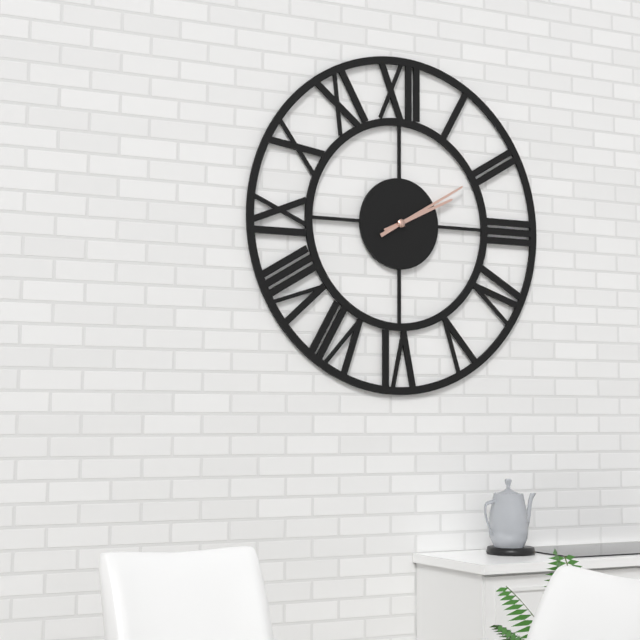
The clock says {"hour": 2, "minute": 10}
